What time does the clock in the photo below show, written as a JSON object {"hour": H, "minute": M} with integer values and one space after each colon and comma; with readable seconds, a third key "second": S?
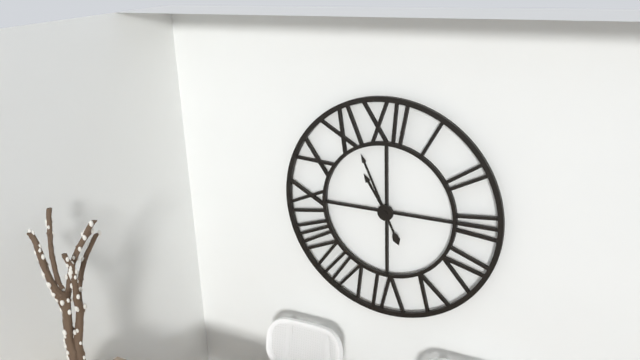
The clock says {"hour": 10, "minute": 56}
